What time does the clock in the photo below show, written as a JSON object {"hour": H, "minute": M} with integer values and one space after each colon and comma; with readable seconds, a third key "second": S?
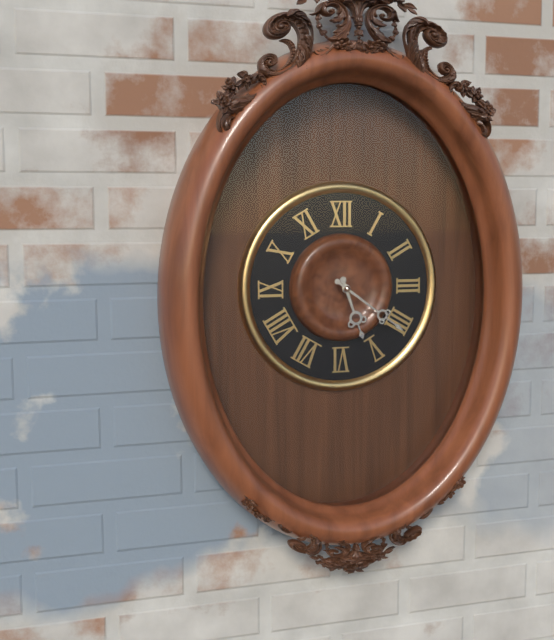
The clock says {"hour": 5, "minute": 21}
